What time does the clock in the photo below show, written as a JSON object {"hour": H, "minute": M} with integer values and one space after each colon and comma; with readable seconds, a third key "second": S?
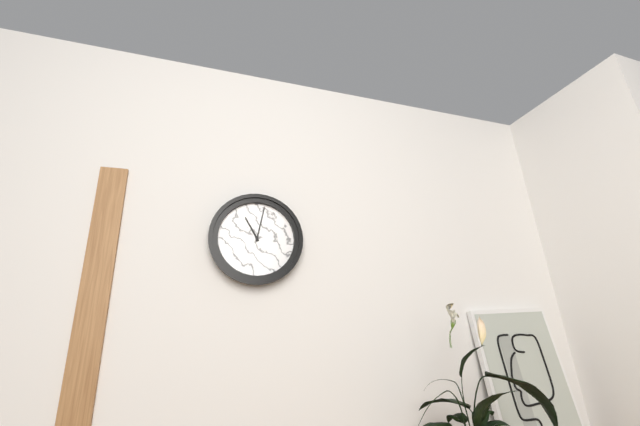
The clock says {"hour": 11, "minute": 2}
